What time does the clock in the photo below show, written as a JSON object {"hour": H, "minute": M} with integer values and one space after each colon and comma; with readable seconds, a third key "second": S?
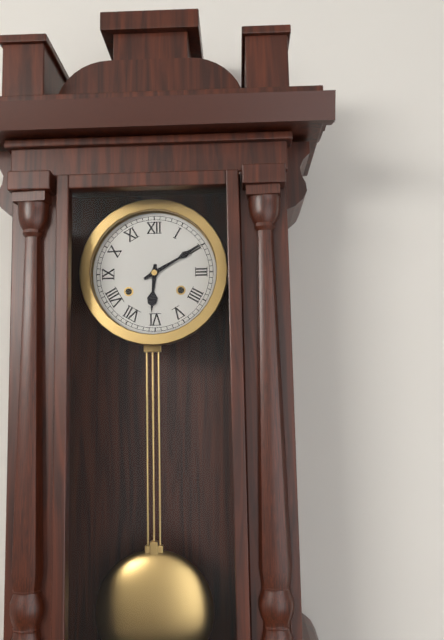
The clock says {"hour": 6, "minute": 10}
